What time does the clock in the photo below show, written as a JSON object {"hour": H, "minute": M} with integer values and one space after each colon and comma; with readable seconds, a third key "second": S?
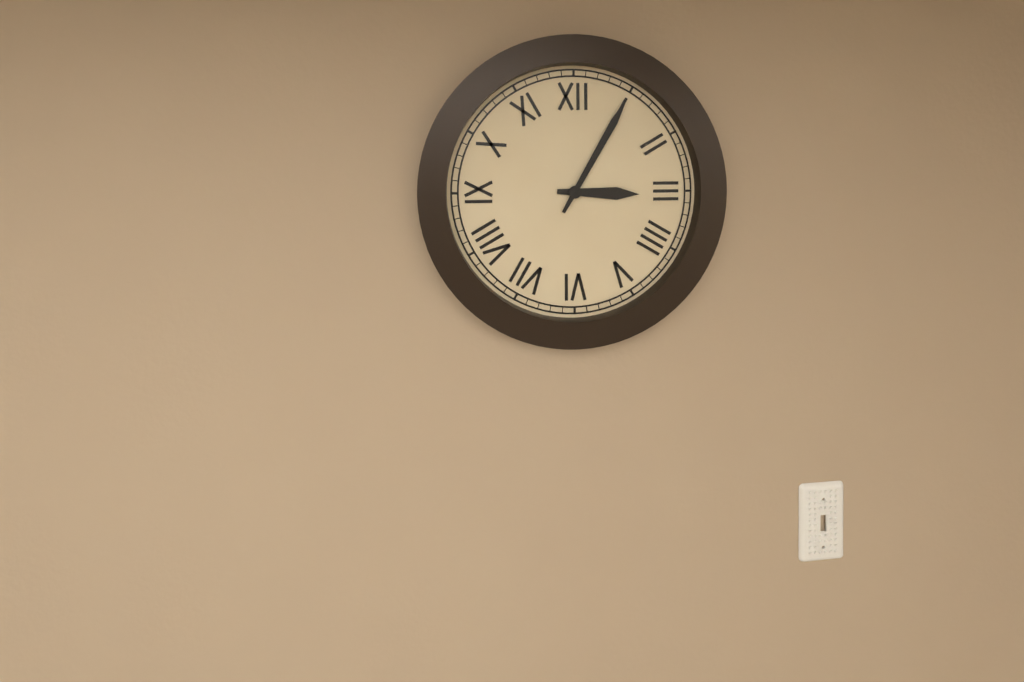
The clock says {"hour": 3, "minute": 5}
